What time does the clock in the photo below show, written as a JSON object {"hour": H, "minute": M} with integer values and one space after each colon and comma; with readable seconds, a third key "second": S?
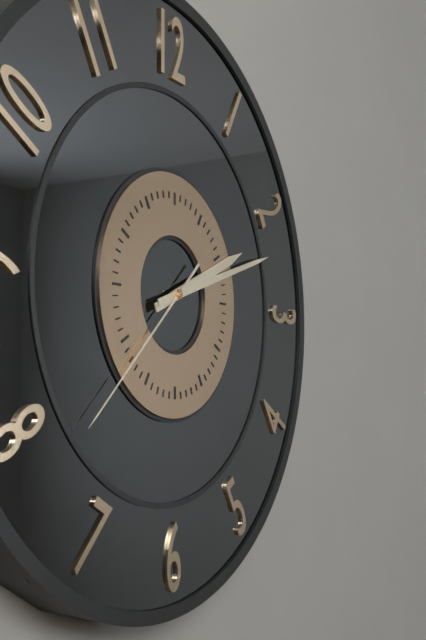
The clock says {"hour": 2, "minute": 12, "second": 38}
